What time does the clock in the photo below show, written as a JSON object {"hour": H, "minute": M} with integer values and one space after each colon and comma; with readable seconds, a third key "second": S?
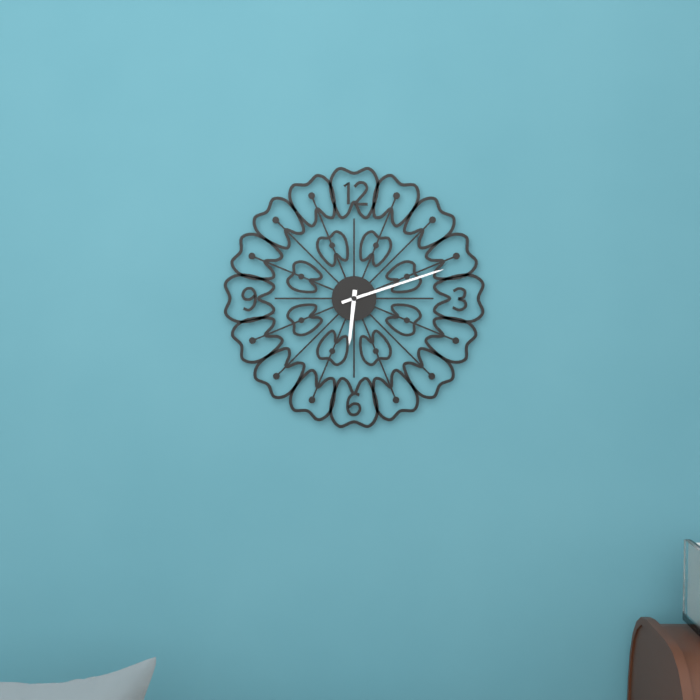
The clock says {"hour": 6, "minute": 12}
